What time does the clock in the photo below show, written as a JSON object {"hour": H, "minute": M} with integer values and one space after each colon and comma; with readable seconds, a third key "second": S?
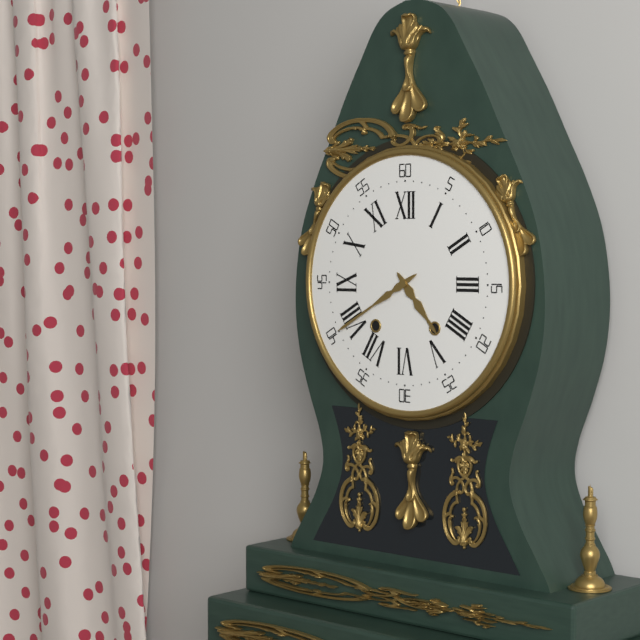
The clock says {"hour": 4, "minute": 40}
